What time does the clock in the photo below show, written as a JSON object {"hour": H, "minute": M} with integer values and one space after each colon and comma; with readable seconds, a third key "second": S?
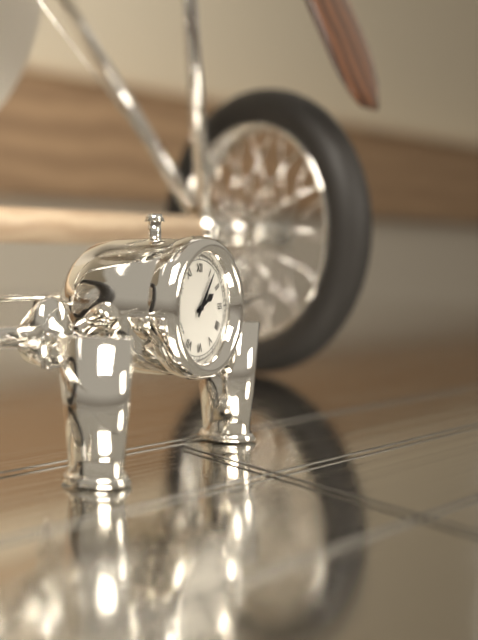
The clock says {"hour": 2, "minute": 6}
